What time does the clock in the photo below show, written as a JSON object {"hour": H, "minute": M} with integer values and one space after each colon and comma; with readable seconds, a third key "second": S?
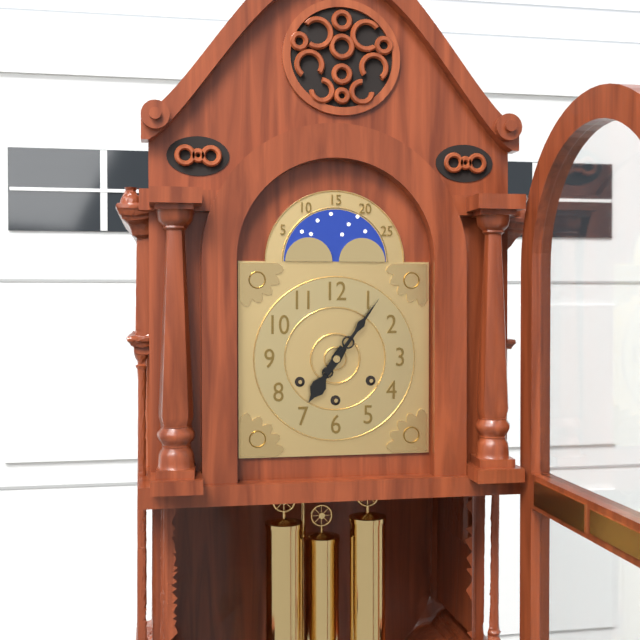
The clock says {"hour": 7, "minute": 6}
